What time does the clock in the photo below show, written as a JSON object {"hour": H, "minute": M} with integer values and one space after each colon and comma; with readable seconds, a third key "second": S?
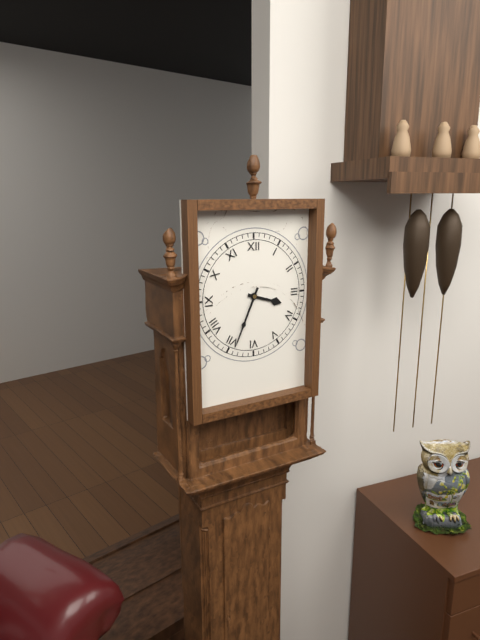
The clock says {"hour": 3, "minute": 34}
